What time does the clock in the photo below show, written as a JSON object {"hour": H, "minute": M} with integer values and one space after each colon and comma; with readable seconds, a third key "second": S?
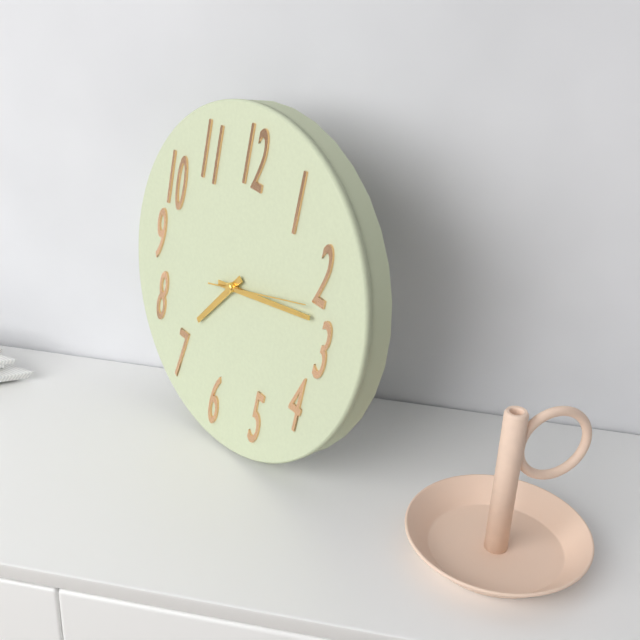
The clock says {"hour": 7, "minute": 13, "second": 12}
